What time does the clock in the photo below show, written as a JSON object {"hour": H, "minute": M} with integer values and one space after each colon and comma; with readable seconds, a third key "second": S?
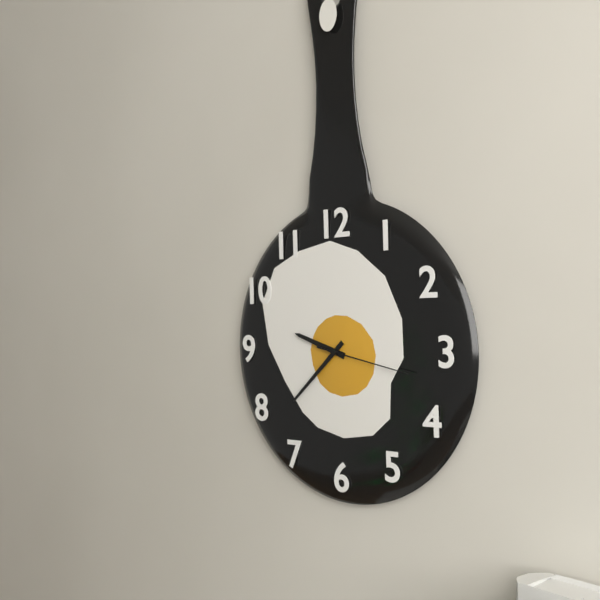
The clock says {"hour": 9, "minute": 38, "second": 17}
